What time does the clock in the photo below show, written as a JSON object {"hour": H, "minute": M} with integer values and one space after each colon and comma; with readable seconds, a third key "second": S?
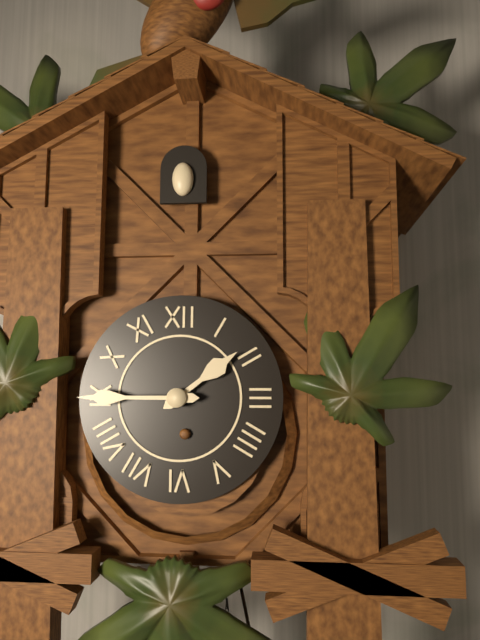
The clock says {"hour": 1, "minute": 45}
